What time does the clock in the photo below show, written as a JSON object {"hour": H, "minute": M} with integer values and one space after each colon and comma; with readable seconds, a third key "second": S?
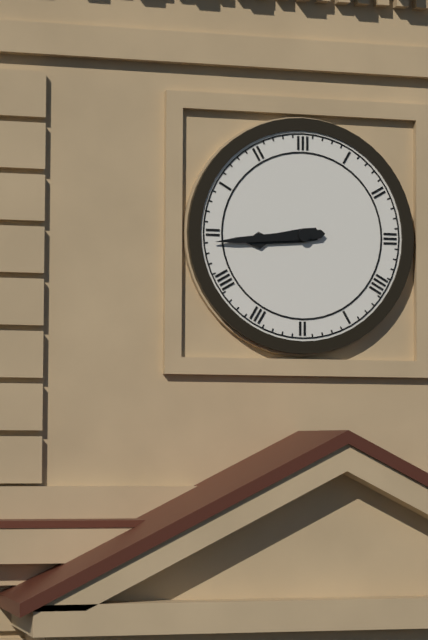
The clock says {"hour": 8, "minute": 44}
